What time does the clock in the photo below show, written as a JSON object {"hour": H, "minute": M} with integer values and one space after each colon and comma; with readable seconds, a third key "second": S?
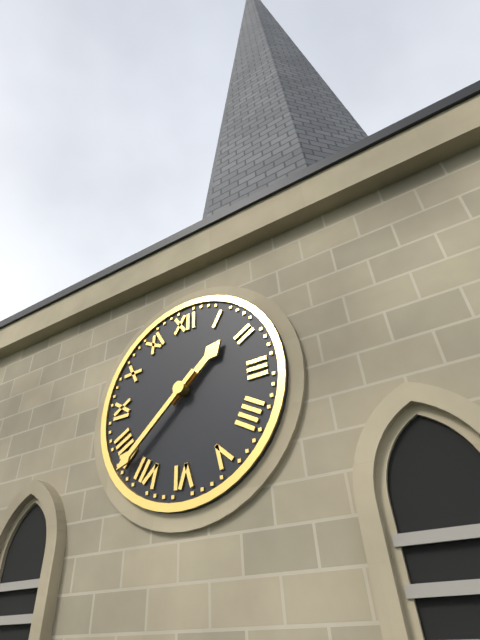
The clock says {"hour": 1, "minute": 38}
